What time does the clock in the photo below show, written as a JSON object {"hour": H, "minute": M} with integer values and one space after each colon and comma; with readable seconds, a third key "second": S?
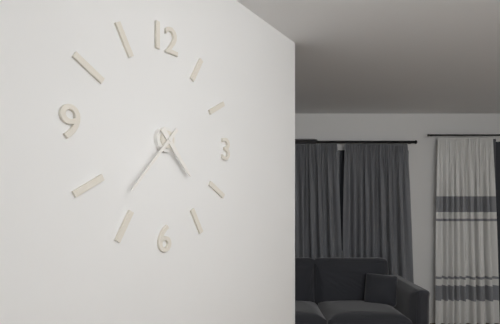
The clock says {"hour": 4, "minute": 37}
